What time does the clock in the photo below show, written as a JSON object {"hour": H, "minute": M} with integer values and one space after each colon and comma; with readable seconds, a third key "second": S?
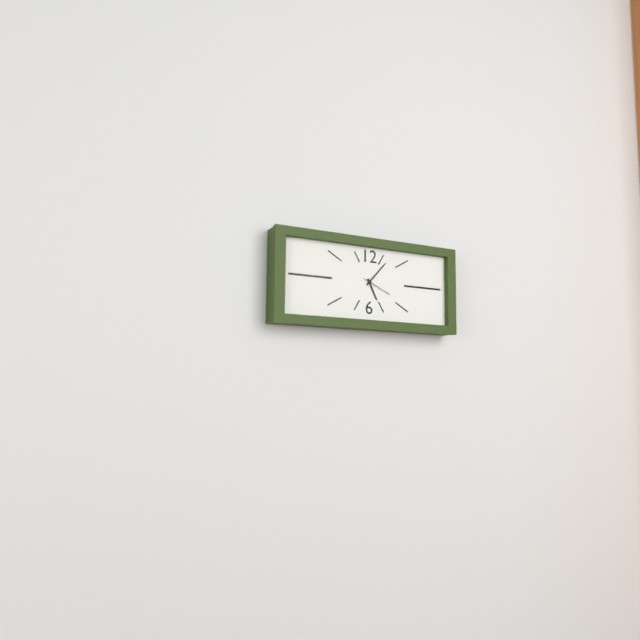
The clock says {"hour": 5, "minute": 7}
